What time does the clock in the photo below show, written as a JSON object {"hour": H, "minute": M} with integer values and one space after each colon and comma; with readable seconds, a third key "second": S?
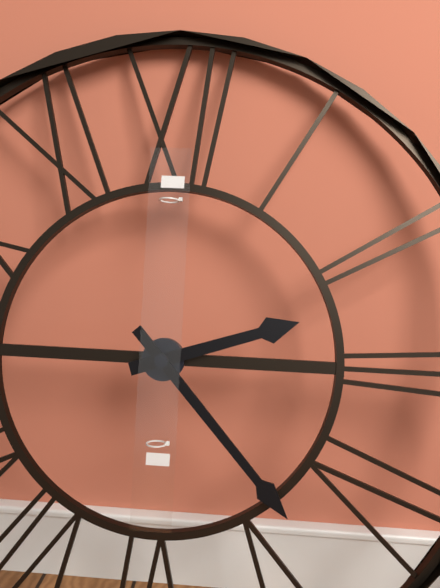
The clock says {"hour": 2, "minute": 23}
